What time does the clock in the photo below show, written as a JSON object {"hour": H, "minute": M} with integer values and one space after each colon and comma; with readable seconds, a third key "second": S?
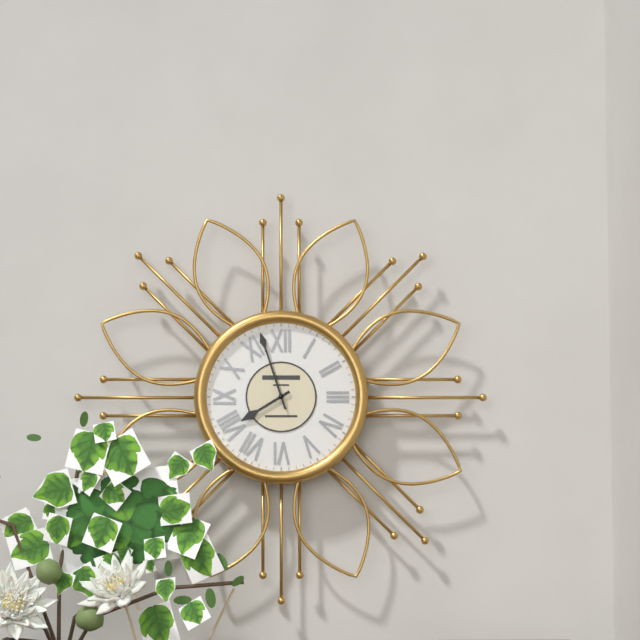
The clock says {"hour": 7, "minute": 57}
